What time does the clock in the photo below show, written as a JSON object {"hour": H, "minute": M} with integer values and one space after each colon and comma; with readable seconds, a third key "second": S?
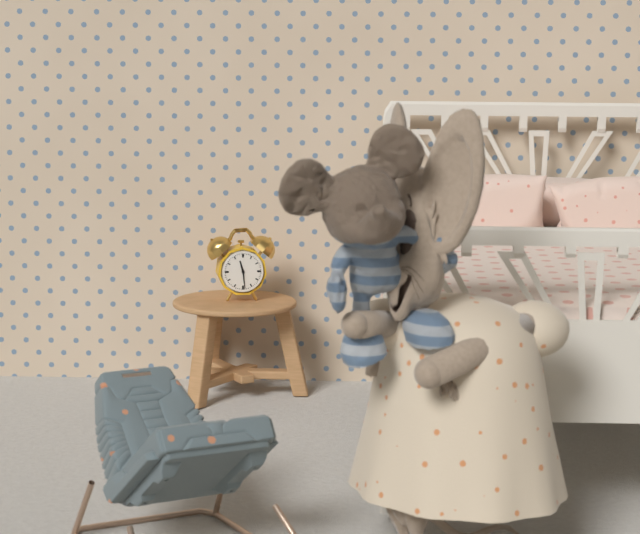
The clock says {"hour": 11, "minute": 29}
